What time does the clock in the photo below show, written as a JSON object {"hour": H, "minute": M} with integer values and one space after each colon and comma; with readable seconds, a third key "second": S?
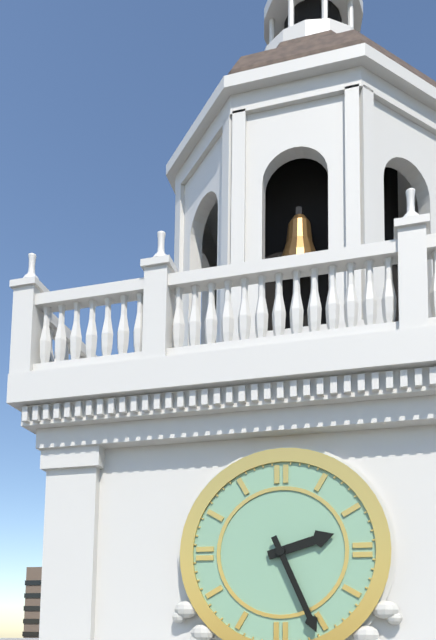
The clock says {"hour": 2, "minute": 26}
